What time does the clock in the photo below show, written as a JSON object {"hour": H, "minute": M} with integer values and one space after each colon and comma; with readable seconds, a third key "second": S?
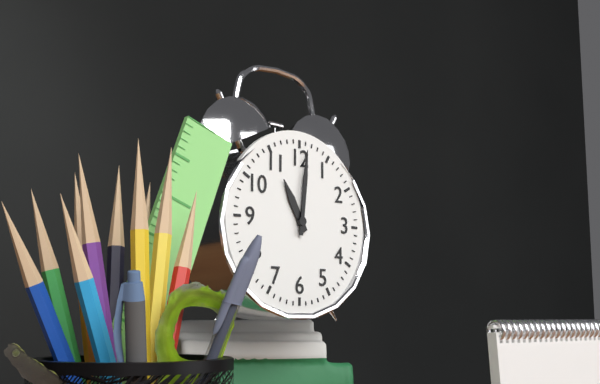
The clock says {"hour": 11, "minute": 1}
